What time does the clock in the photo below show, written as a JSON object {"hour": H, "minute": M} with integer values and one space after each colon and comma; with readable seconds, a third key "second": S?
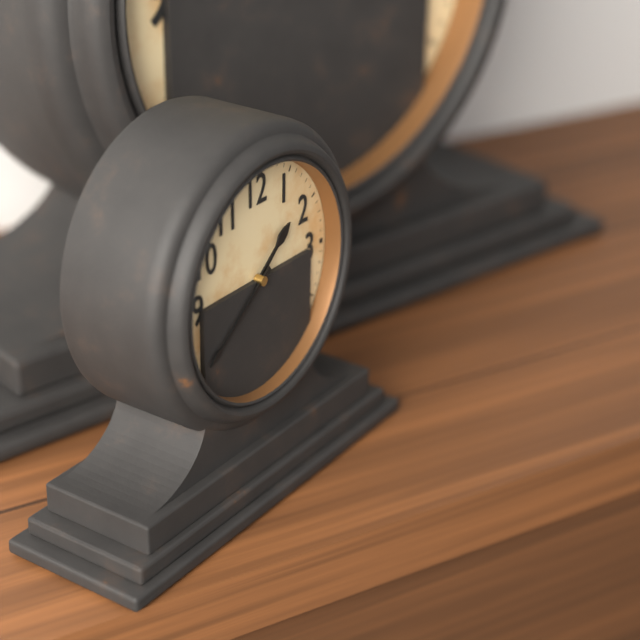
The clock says {"hour": 1, "minute": 39}
